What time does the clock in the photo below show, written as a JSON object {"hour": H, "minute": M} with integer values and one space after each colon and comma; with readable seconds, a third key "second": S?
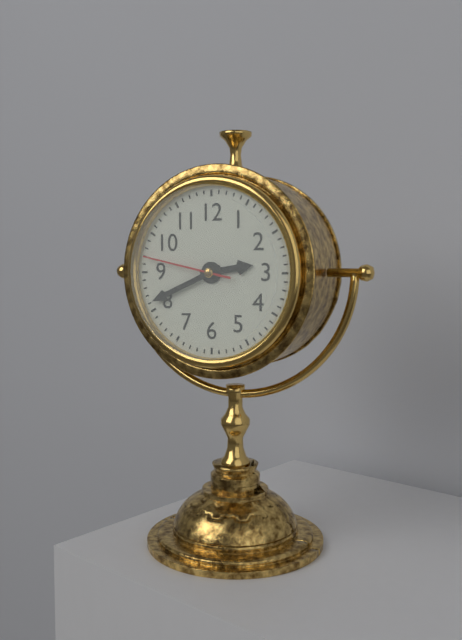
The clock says {"hour": 2, "minute": 41, "second": 47}
